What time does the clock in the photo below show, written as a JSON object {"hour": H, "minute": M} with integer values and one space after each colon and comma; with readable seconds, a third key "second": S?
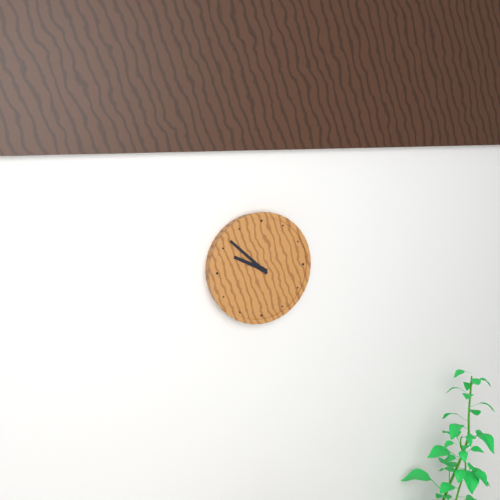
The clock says {"hour": 9, "minute": 52}
